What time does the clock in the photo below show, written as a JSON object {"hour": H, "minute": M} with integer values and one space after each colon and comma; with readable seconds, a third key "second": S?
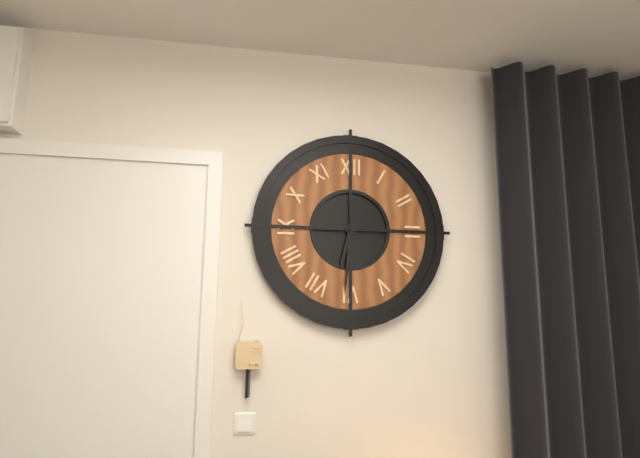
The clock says {"hour": 6, "minute": 31}
